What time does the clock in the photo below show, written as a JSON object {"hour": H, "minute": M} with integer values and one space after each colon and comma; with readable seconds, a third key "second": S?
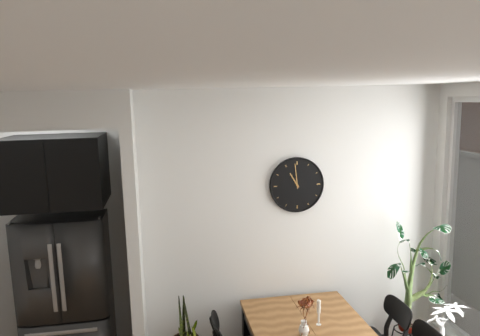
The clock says {"hour": 10, "minute": 59}
